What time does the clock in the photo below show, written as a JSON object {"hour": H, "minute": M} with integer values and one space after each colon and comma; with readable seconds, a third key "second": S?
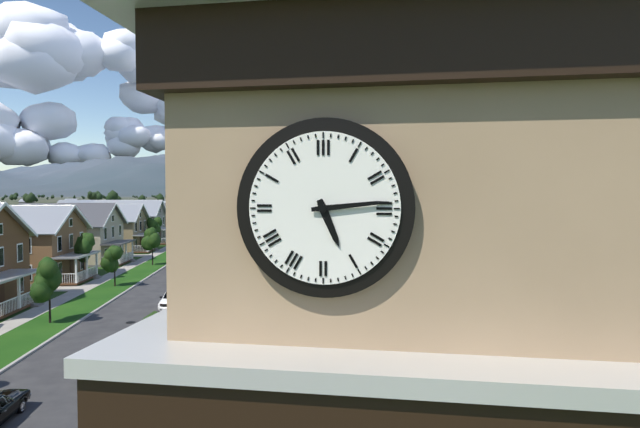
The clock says {"hour": 5, "minute": 14}
